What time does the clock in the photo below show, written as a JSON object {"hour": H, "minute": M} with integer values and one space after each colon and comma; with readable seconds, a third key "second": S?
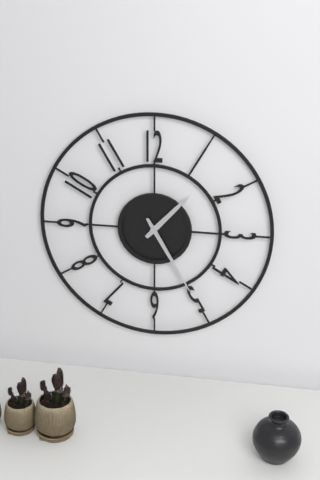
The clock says {"hour": 1, "minute": 25}
